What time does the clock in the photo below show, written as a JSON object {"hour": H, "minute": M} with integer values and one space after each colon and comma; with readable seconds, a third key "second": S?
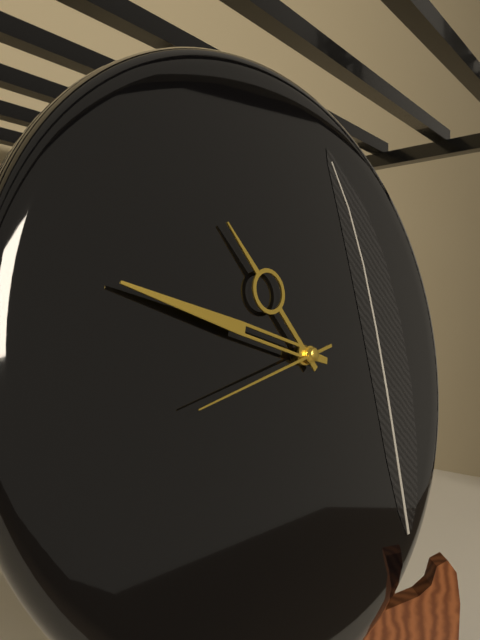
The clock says {"hour": 10, "minute": 48, "second": 43}
